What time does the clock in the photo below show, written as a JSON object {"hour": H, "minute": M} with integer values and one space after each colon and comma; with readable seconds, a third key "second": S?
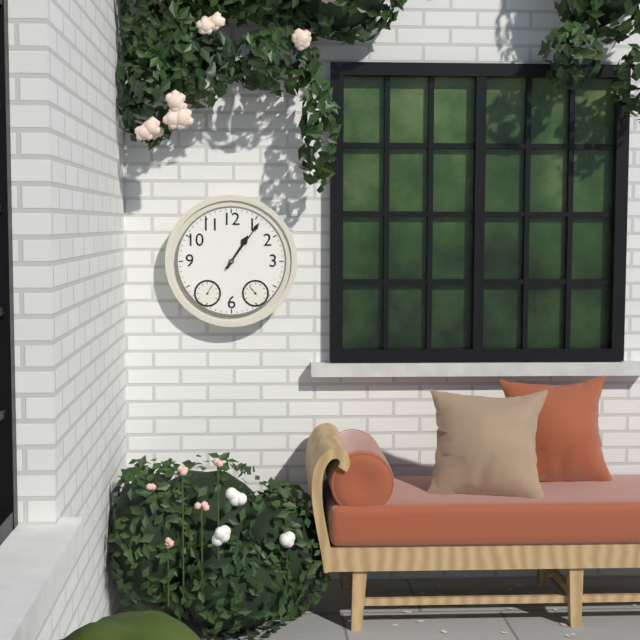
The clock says {"hour": 1, "minute": 6}
